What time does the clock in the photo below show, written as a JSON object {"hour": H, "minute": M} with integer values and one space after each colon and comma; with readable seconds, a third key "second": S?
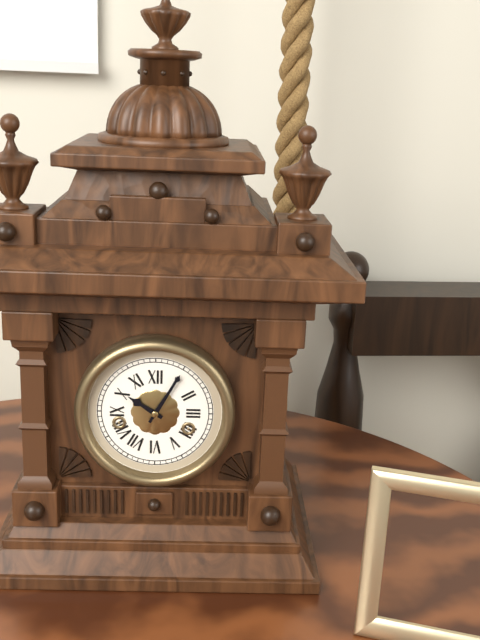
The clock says {"hour": 10, "minute": 5}
